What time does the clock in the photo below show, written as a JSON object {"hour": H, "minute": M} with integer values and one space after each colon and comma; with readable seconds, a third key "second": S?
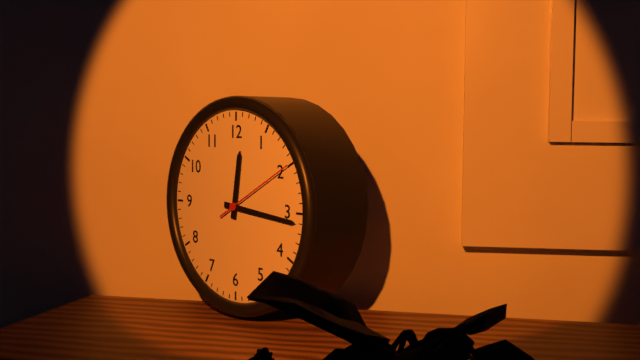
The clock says {"hour": 12, "minute": 16, "second": 10}
